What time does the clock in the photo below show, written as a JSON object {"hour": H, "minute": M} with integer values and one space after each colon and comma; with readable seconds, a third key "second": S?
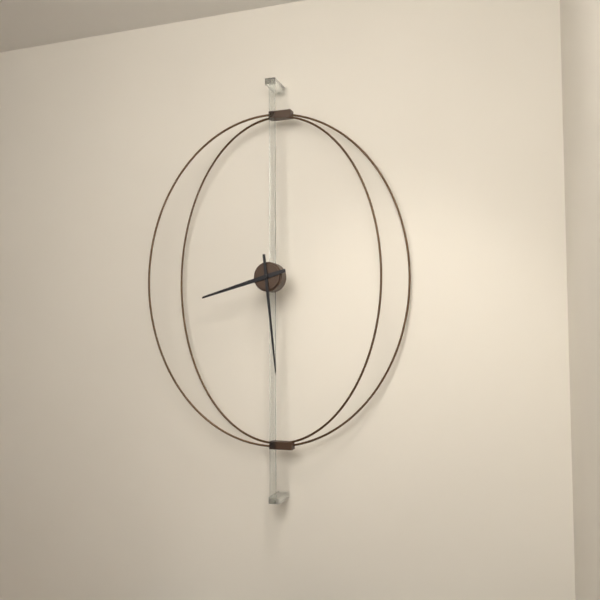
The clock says {"hour": 8, "minute": 29}
